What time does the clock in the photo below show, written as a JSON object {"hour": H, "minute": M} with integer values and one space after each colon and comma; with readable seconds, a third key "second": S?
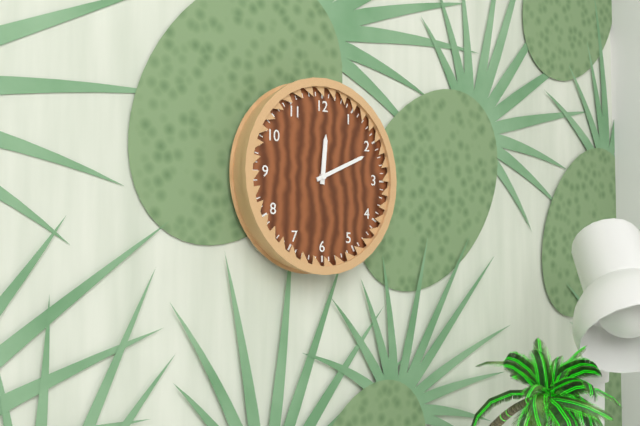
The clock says {"hour": 12, "minute": 11}
